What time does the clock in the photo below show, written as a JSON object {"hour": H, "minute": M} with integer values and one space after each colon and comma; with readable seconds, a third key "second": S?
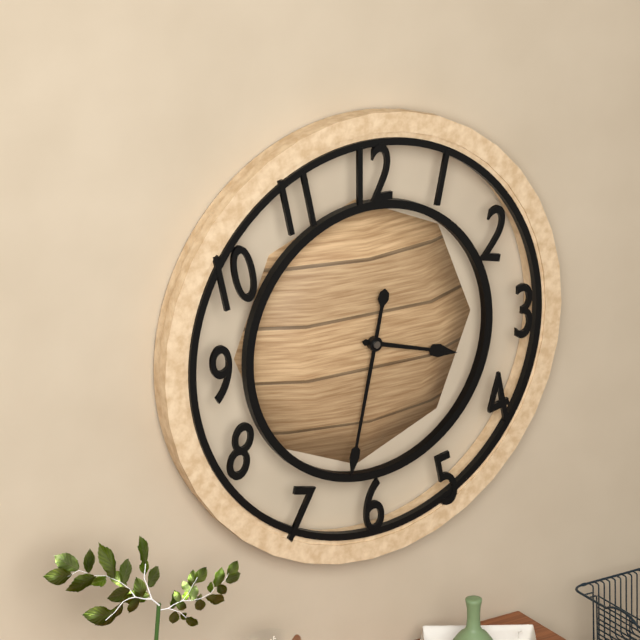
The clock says {"hour": 3, "minute": 32}
